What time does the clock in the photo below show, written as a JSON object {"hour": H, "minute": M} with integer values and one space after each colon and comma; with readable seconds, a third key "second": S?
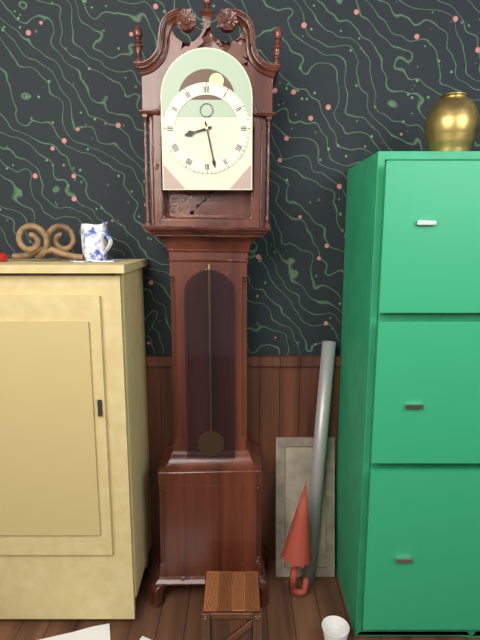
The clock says {"hour": 8, "minute": 28}
